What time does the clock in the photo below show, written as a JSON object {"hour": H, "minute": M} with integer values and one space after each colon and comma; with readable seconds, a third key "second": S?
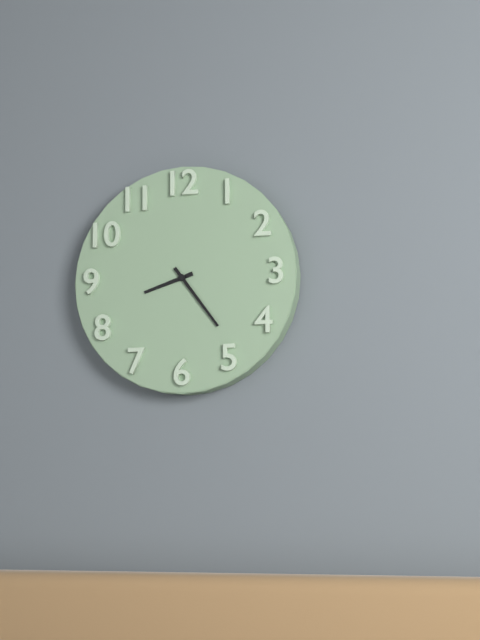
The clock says {"hour": 8, "minute": 24}
